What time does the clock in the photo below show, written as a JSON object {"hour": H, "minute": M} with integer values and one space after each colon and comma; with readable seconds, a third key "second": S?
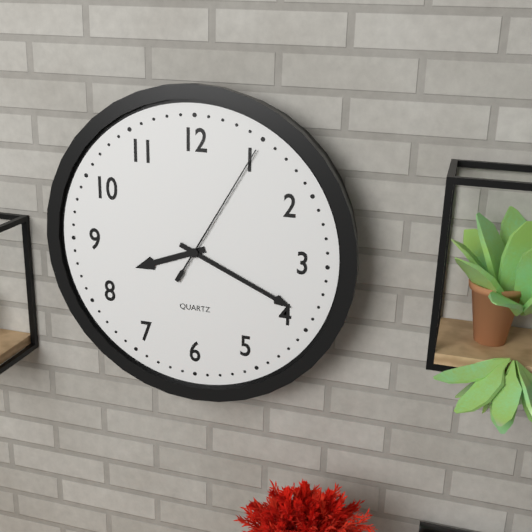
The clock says {"hour": 8, "minute": 19, "second": 5}
